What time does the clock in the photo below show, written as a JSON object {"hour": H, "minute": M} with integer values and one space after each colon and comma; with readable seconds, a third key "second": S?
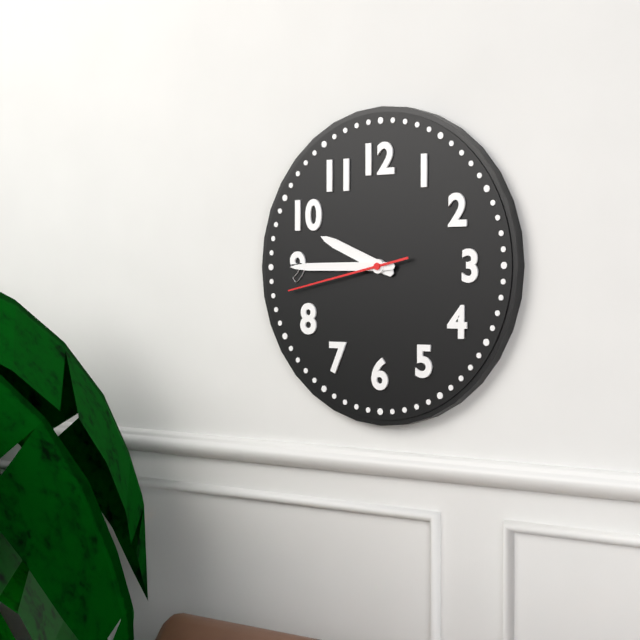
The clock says {"hour": 9, "minute": 45, "second": 43}
